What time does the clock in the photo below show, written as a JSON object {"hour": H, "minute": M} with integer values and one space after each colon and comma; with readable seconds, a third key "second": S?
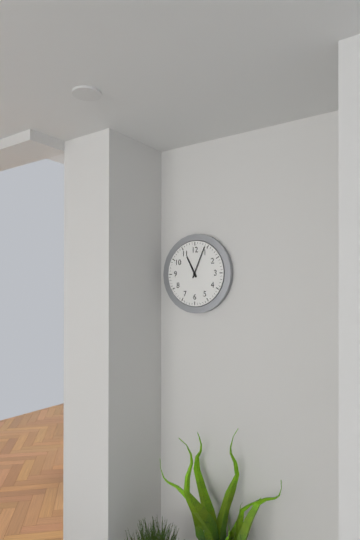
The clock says {"hour": 11, "minute": 4}
